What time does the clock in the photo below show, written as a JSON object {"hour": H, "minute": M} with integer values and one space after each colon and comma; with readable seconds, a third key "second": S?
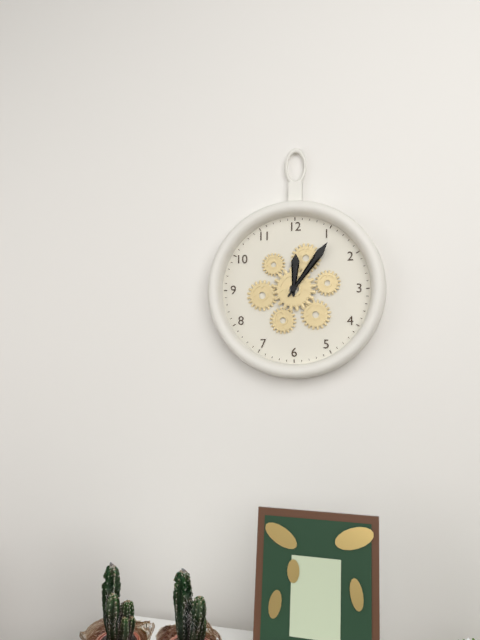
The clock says {"hour": 12, "minute": 6}
